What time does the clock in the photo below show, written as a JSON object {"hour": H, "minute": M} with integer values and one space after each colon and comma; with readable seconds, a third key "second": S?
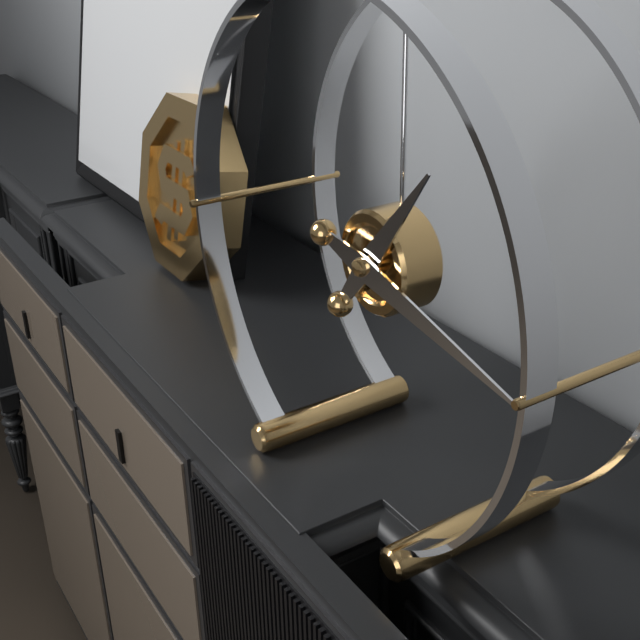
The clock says {"hour": 1, "minute": 17}
